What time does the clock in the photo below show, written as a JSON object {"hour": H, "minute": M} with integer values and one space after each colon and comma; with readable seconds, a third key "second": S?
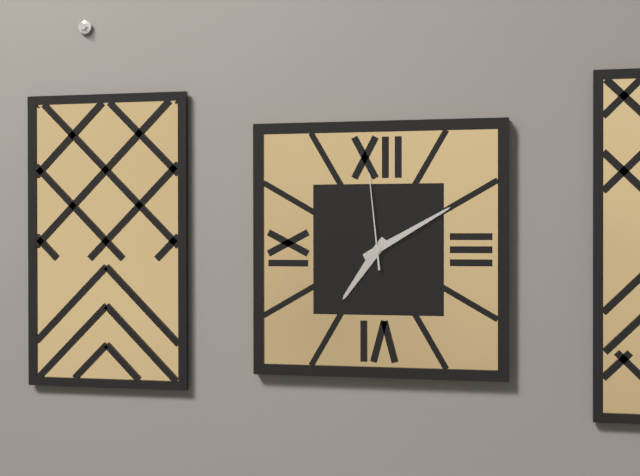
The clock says {"hour": 7, "minute": 10, "second": 59}
